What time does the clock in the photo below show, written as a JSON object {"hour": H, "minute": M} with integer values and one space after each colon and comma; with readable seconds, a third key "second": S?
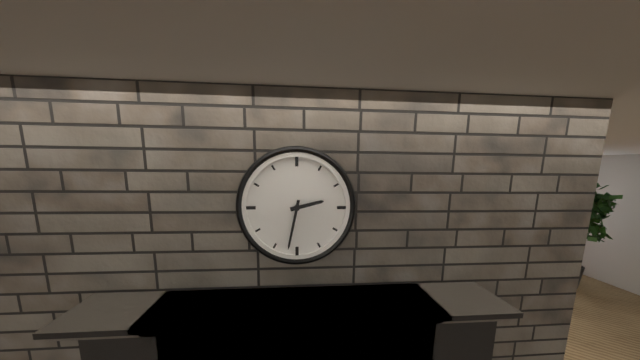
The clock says {"hour": 2, "minute": 32}
